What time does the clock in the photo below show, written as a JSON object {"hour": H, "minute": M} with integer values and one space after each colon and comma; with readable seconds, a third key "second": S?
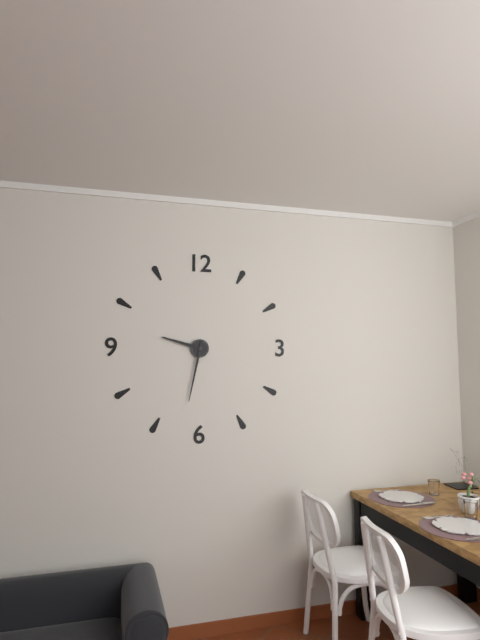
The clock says {"hour": 9, "minute": 32}
